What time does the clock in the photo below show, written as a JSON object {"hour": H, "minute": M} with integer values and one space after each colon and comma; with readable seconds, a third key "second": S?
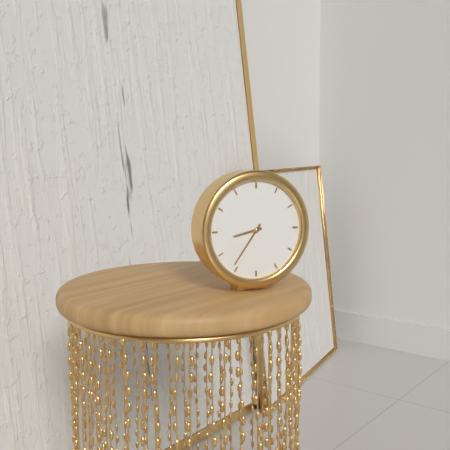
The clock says {"hour": 8, "minute": 36}
